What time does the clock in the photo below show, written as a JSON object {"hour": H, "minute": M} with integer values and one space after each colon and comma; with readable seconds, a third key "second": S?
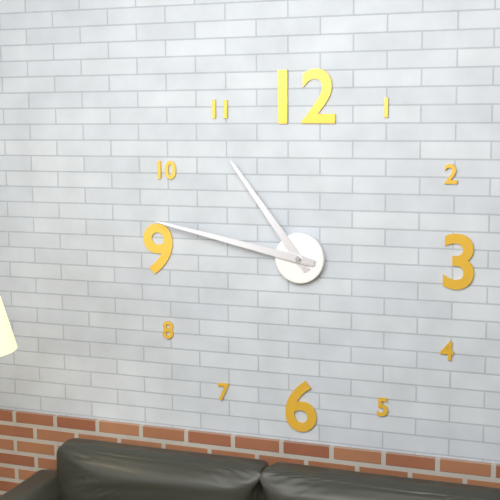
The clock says {"hour": 10, "minute": 47}
